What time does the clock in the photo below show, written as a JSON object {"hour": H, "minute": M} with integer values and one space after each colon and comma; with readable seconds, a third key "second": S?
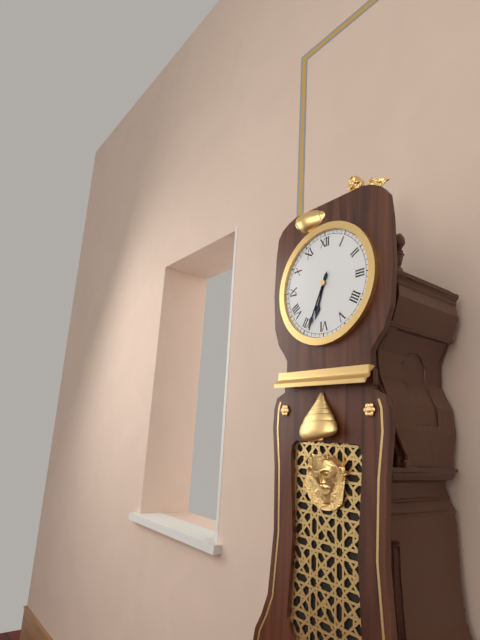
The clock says {"hour": 6, "minute": 34}
